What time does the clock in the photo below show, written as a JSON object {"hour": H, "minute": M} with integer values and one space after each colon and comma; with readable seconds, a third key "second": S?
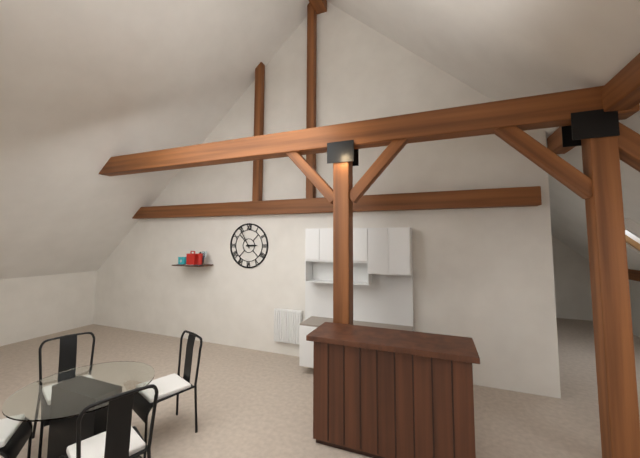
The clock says {"hour": 2, "minute": 55}
